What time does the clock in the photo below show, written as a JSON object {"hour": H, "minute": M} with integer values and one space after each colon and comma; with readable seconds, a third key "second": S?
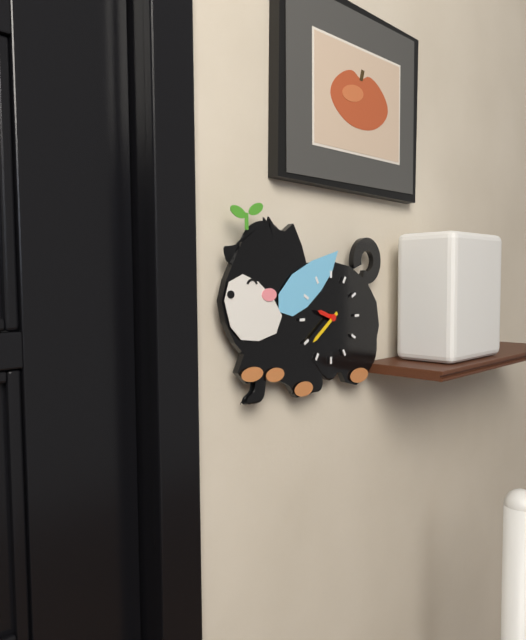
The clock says {"hour": 9, "minute": 39}
